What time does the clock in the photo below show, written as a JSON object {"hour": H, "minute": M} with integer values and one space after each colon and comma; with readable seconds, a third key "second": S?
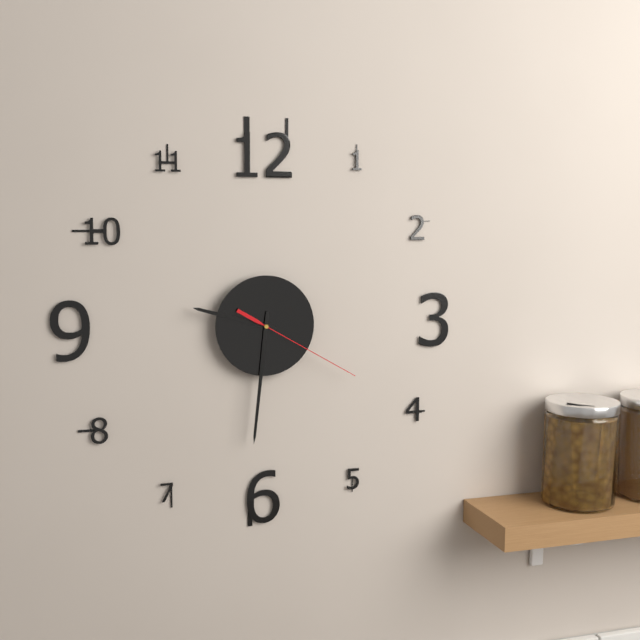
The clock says {"hour": 9, "minute": 31, "second": 20}
